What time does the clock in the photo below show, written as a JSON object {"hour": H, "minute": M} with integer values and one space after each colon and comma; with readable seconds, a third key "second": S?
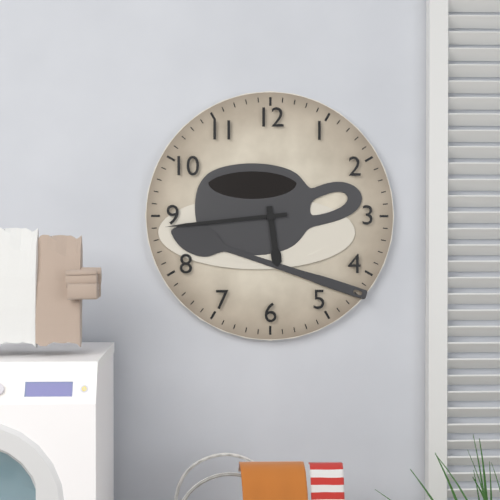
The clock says {"hour": 5, "minute": 44}
